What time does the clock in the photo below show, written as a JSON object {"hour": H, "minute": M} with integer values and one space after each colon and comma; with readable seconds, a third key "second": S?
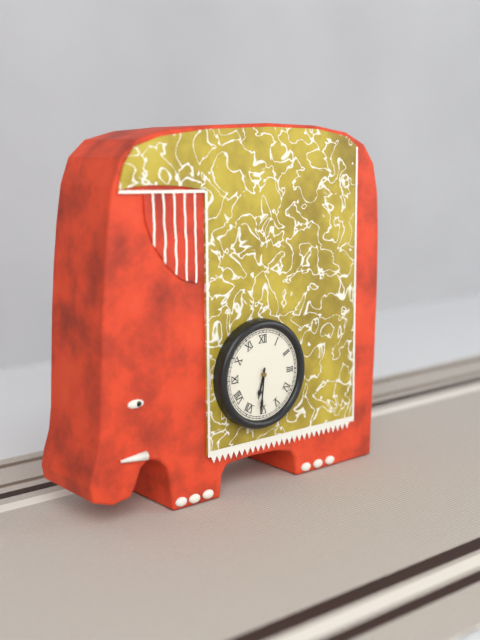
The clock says {"hour": 6, "minute": 31}
